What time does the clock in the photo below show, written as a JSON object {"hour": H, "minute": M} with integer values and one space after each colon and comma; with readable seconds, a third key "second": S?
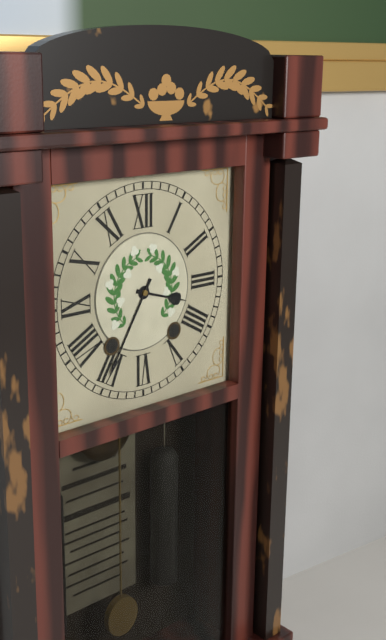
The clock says {"hour": 3, "minute": 35}
